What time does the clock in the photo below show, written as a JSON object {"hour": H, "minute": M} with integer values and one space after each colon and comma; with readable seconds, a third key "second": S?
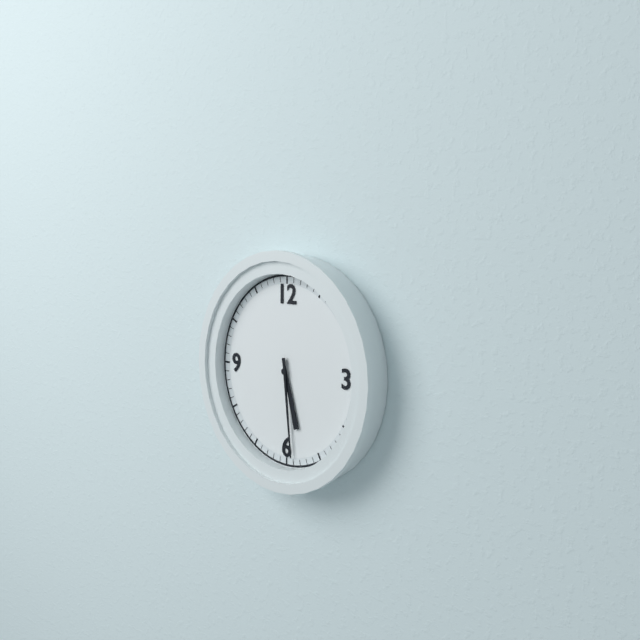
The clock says {"hour": 5, "minute": 29}
